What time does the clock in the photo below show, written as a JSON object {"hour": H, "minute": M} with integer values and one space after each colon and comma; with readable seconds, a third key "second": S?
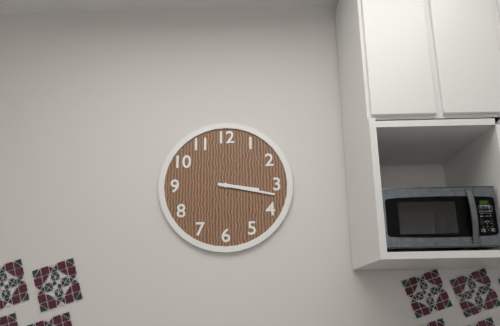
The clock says {"hour": 3, "minute": 17}
